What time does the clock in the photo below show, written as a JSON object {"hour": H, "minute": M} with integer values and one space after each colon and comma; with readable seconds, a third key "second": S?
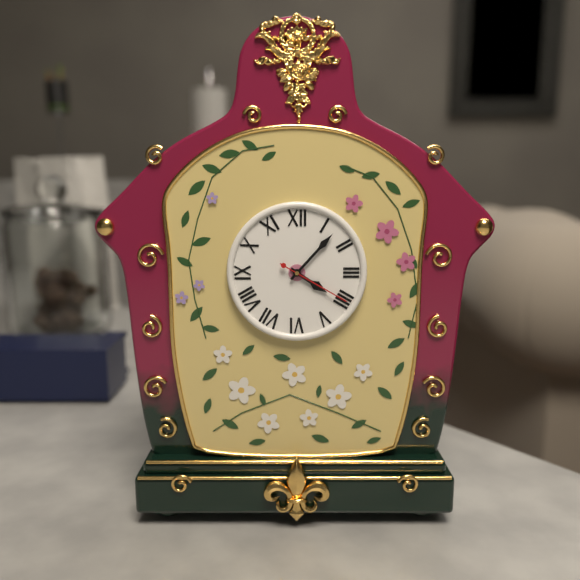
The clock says {"hour": 4, "minute": 7, "second": 20}
